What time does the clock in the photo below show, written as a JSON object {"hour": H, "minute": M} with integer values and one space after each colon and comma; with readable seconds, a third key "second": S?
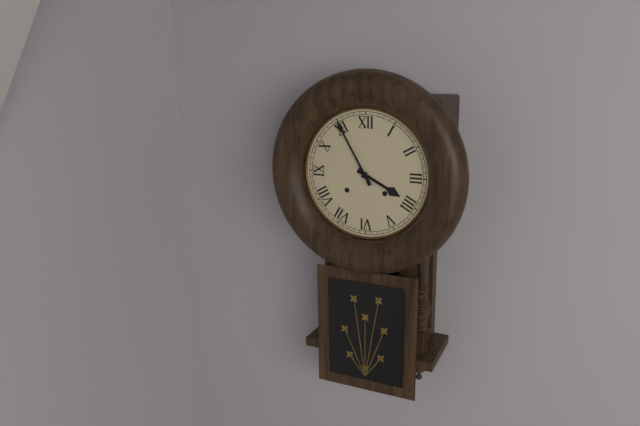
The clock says {"hour": 3, "minute": 55}
